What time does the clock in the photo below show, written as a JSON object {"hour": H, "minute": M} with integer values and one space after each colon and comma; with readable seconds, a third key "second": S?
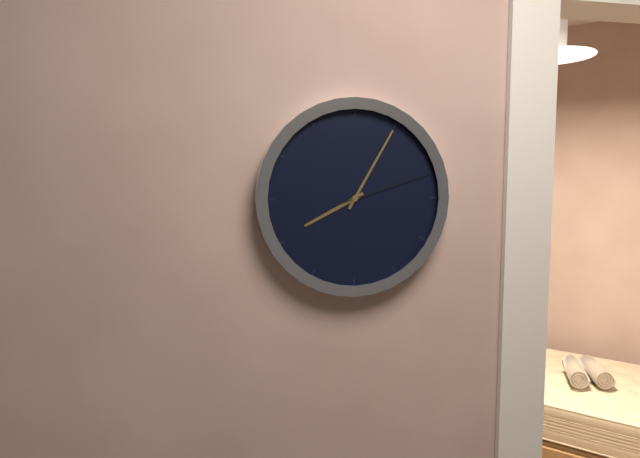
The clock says {"hour": 8, "minute": 5, "second": 12}
